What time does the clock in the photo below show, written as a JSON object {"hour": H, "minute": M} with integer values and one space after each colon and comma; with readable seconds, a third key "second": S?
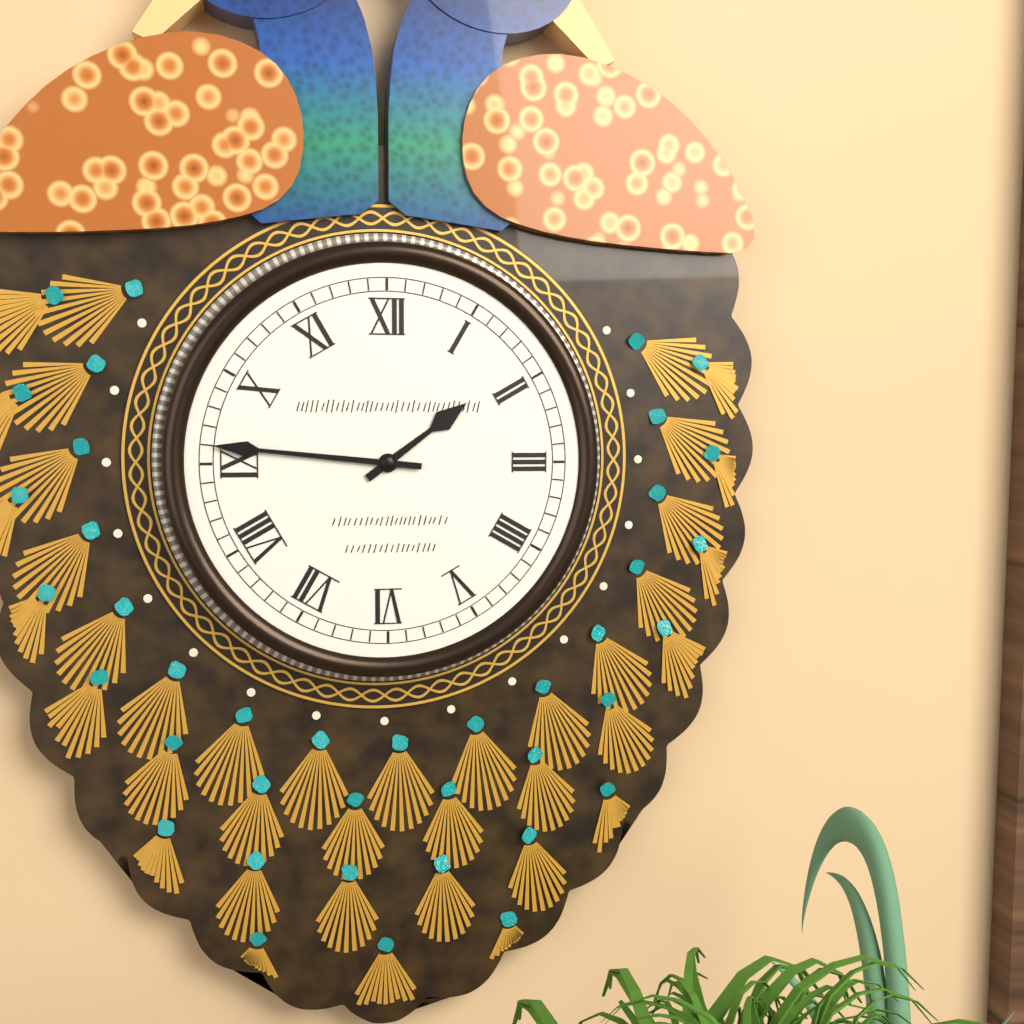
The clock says {"hour": 1, "minute": 46}
